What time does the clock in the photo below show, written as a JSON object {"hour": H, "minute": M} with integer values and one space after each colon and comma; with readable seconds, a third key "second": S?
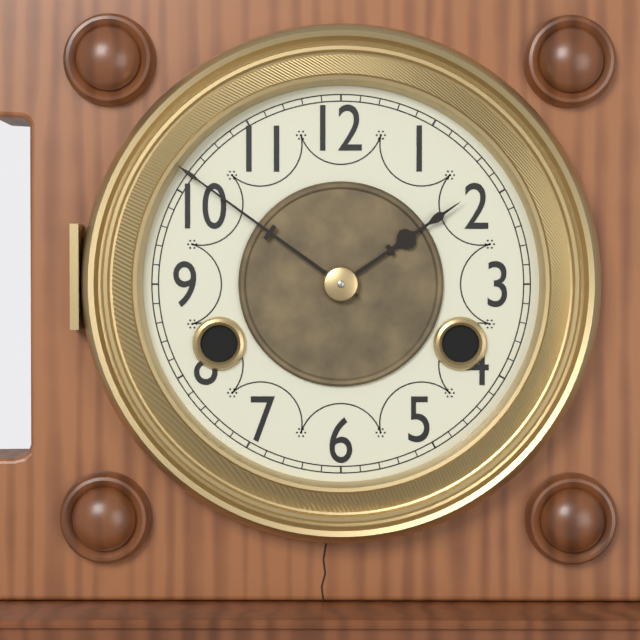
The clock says {"hour": 1, "minute": 51}
